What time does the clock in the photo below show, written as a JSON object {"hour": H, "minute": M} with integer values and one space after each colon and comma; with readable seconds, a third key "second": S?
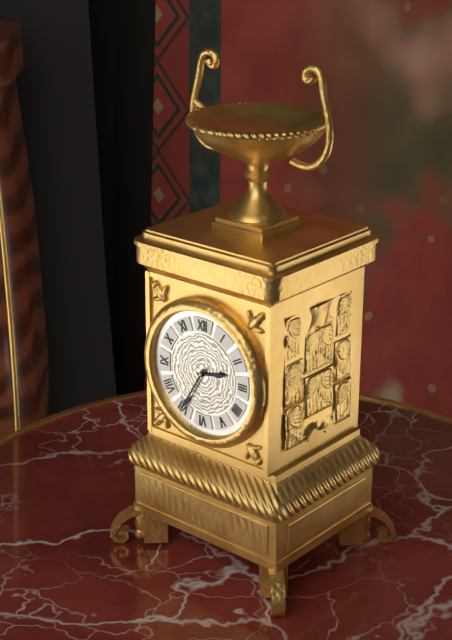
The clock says {"hour": 2, "minute": 35}
